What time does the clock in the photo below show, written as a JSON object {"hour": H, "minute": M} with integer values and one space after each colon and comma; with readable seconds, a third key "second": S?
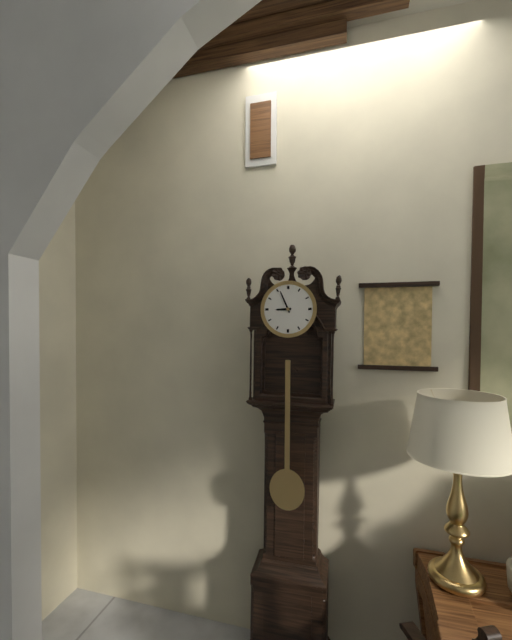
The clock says {"hour": 8, "minute": 56}
